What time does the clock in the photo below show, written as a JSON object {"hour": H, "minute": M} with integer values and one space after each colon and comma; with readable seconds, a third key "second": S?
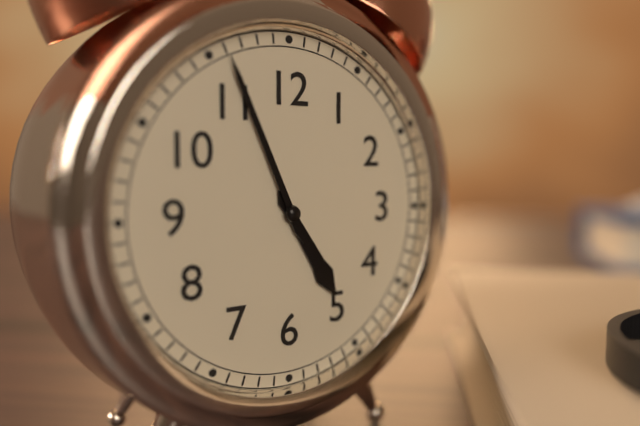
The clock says {"hour": 4, "minute": 56}
